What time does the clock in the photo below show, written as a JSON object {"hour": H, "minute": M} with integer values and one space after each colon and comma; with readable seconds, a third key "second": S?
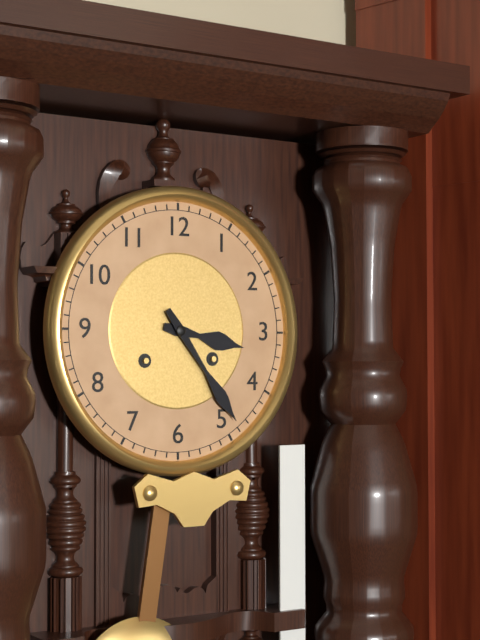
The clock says {"hour": 3, "minute": 24}
